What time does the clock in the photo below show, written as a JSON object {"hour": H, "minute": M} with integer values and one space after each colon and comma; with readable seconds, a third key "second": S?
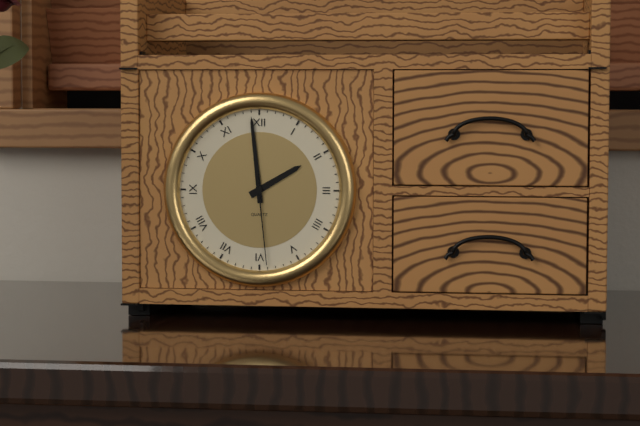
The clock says {"hour": 1, "minute": 59, "second": 29}
